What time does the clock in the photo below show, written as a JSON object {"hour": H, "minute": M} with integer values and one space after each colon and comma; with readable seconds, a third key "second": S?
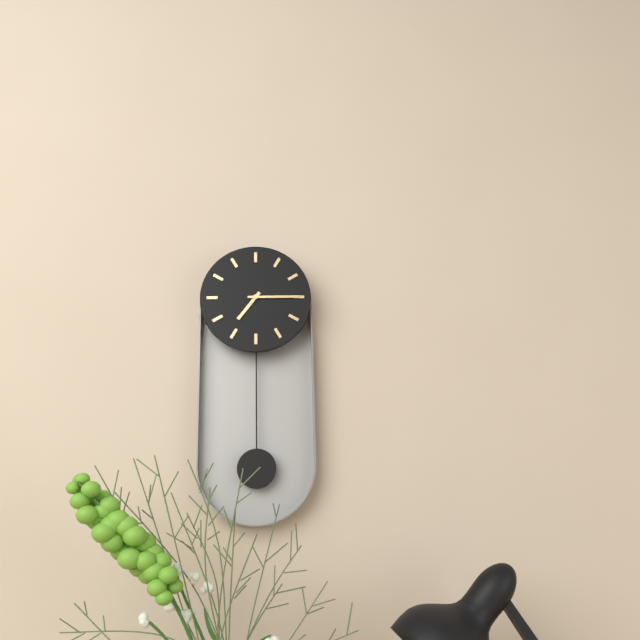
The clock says {"hour": 7, "minute": 15}
